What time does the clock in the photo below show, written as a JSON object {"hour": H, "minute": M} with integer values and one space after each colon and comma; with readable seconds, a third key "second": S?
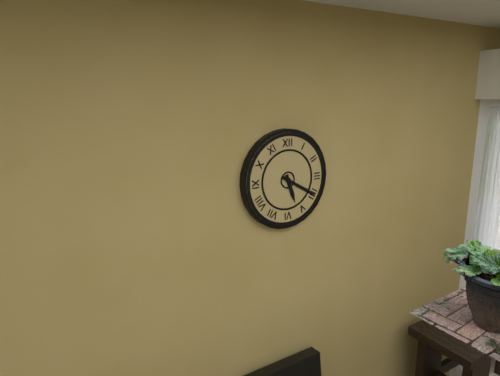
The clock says {"hour": 5, "minute": 20}
